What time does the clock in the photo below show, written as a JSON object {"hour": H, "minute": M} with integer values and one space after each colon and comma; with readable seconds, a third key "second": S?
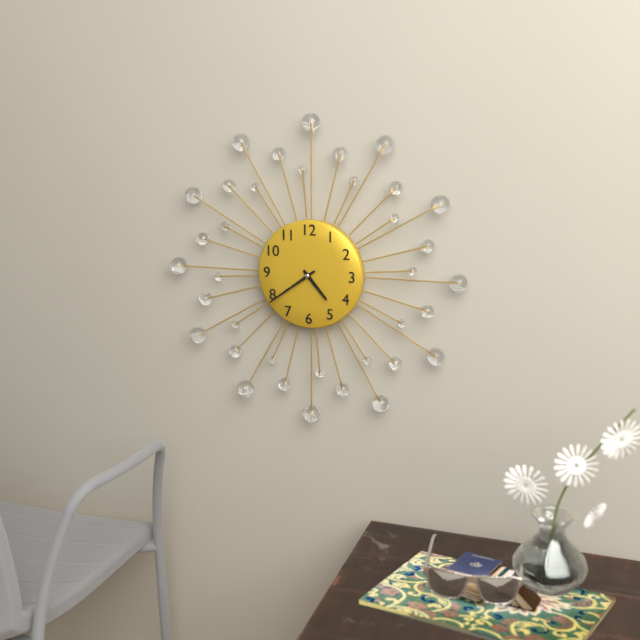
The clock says {"hour": 4, "minute": 39}
